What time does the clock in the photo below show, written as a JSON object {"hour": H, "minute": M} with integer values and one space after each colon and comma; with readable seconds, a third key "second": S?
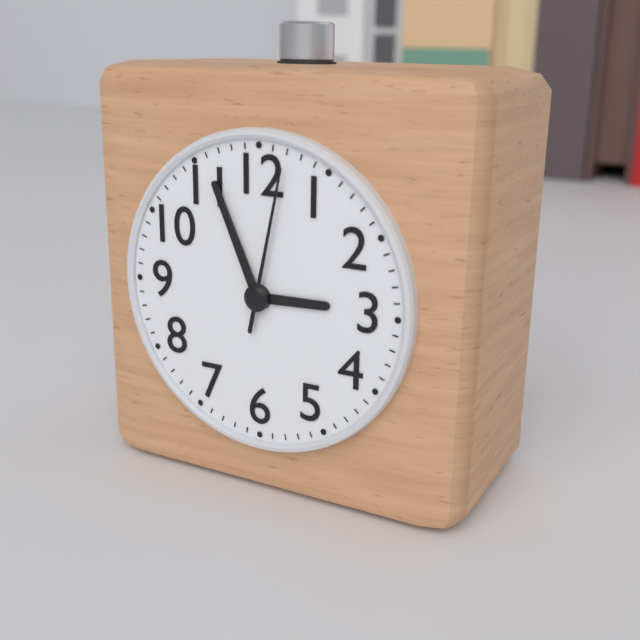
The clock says {"hour": 2, "minute": 56, "second": 2}
